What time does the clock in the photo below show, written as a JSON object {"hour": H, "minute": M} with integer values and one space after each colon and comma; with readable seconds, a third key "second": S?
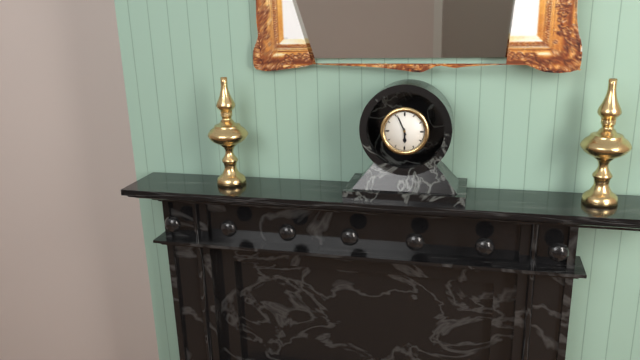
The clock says {"hour": 5, "minute": 56}
